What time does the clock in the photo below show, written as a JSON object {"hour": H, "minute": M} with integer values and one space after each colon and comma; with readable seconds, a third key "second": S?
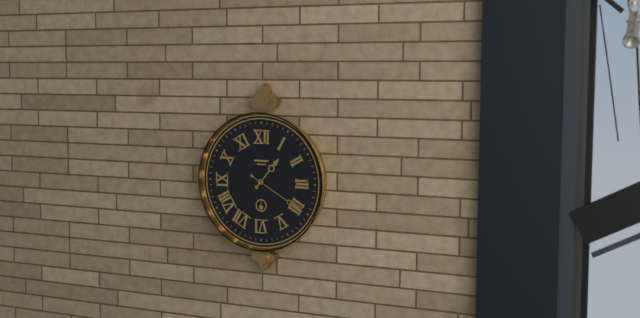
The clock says {"hour": 1, "minute": 20}
